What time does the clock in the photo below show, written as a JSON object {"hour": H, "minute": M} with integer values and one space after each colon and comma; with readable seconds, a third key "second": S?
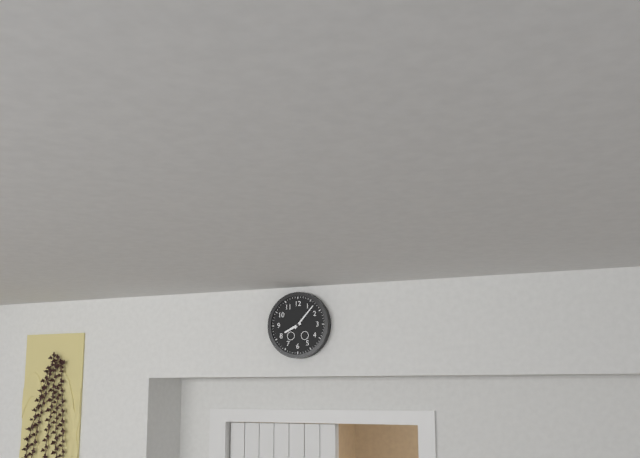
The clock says {"hour": 8, "minute": 7}
